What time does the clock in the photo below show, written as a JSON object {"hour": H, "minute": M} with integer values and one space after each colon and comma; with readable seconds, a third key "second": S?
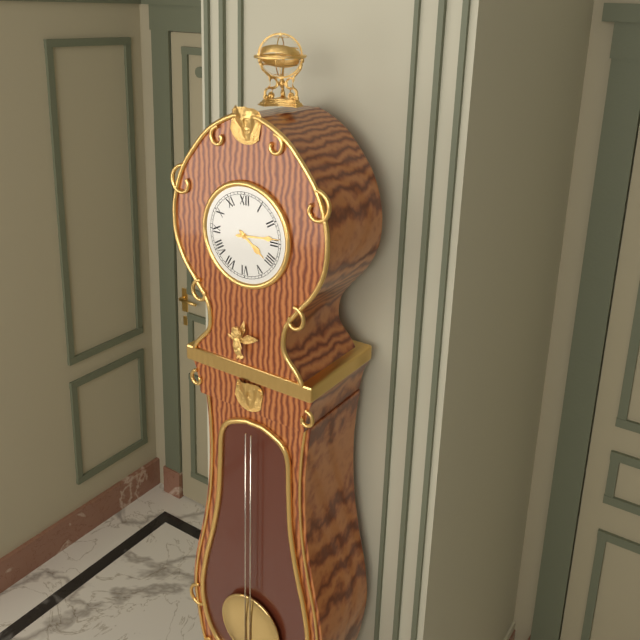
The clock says {"hour": 4, "minute": 14}
